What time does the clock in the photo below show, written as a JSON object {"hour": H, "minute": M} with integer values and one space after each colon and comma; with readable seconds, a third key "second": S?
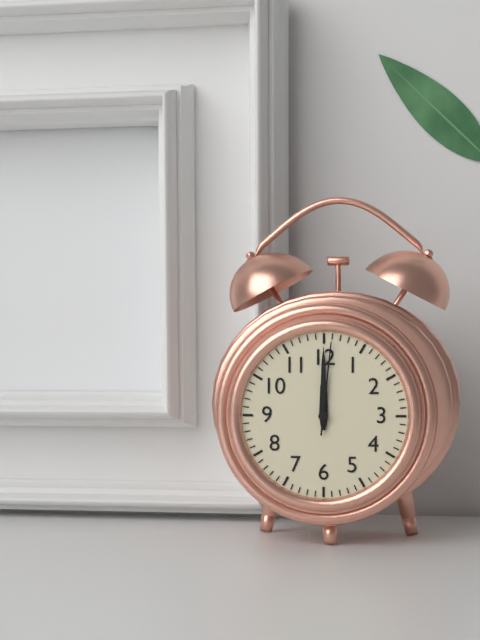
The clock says {"hour": 12, "minute": 0, "second": 1}
